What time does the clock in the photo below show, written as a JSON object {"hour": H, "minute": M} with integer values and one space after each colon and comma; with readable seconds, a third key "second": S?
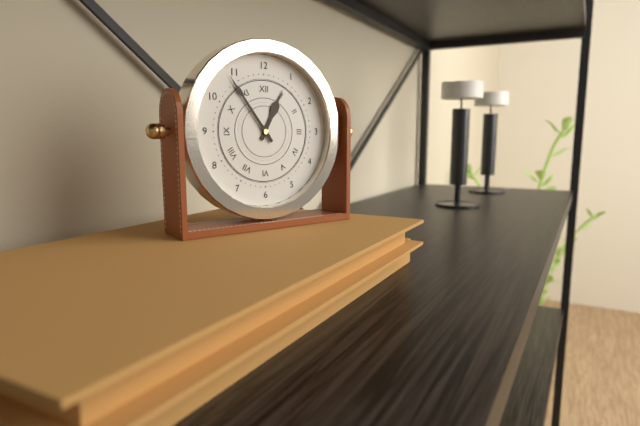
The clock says {"hour": 12, "minute": 54}
